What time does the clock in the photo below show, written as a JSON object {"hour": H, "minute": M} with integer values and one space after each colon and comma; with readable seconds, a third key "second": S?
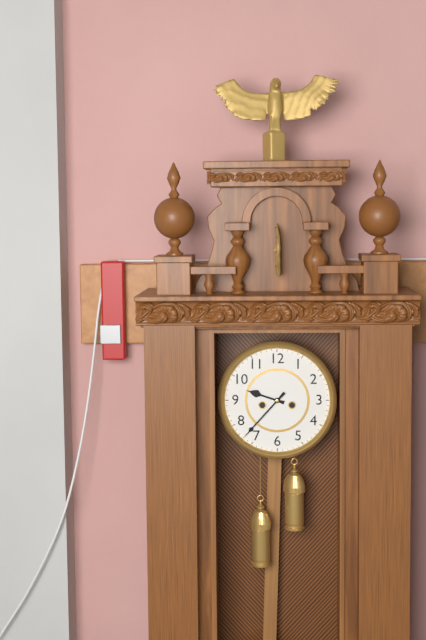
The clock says {"hour": 9, "minute": 37}
